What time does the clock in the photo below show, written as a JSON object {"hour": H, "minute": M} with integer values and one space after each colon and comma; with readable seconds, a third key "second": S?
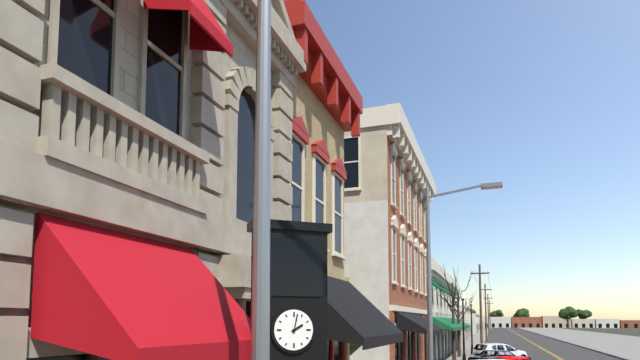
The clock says {"hour": 2, "minute": 2}
